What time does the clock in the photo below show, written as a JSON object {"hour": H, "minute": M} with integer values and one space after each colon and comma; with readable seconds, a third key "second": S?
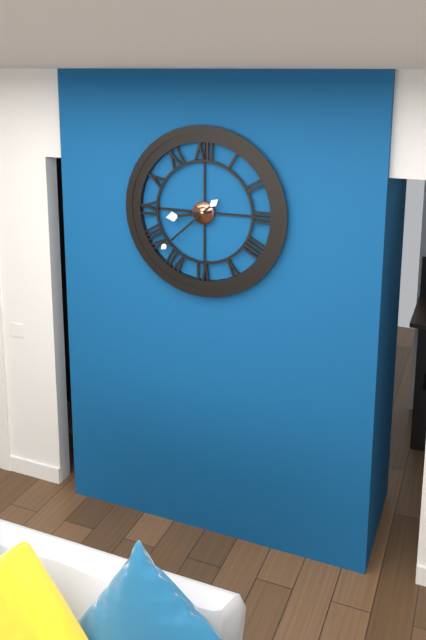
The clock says {"hour": 8, "minute": 38}
